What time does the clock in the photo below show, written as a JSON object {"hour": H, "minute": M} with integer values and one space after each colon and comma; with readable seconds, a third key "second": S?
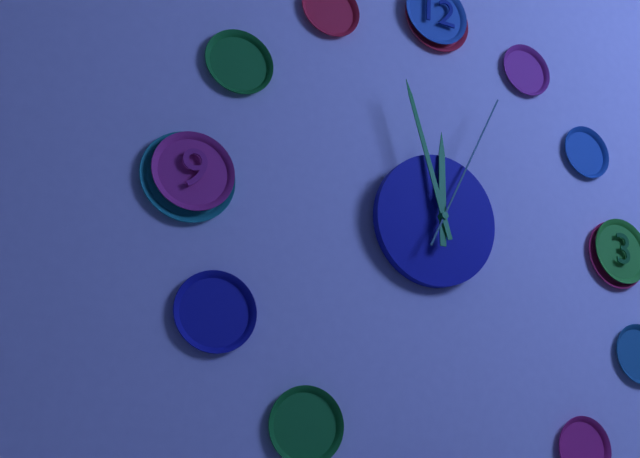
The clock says {"hour": 11, "minute": 57, "second": 4}
